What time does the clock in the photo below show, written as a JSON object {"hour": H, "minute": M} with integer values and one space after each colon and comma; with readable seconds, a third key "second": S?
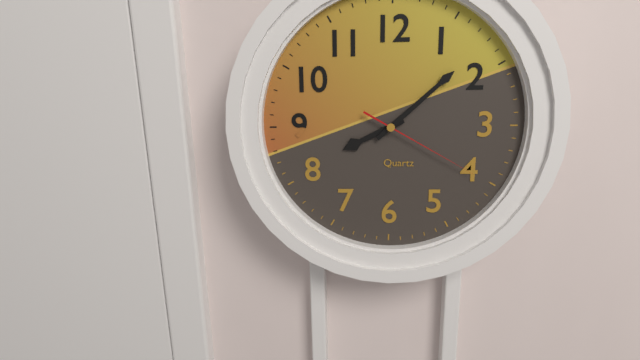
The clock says {"hour": 8, "minute": 8, "second": 20}
